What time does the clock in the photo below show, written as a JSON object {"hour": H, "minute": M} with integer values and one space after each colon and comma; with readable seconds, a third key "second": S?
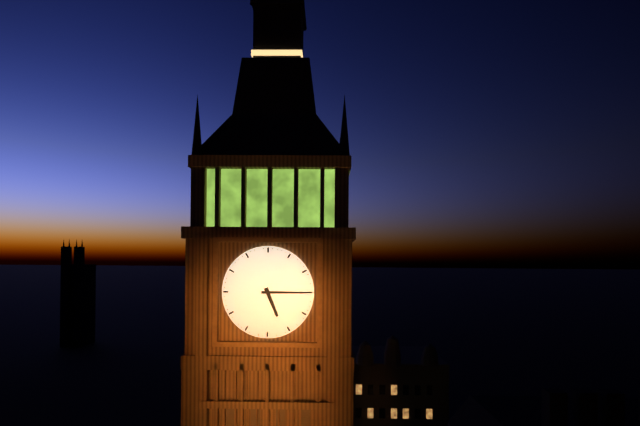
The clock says {"hour": 5, "minute": 15}
